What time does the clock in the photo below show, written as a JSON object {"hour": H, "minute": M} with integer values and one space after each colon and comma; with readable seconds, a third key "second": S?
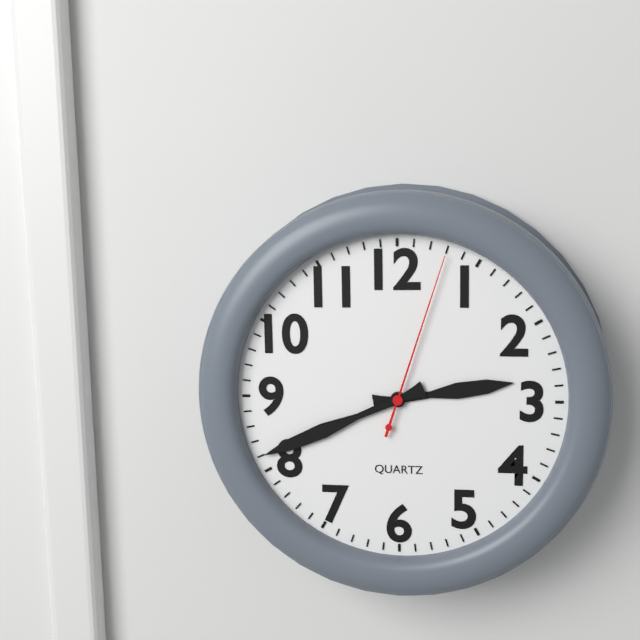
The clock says {"hour": 2, "minute": 41, "second": 3}
